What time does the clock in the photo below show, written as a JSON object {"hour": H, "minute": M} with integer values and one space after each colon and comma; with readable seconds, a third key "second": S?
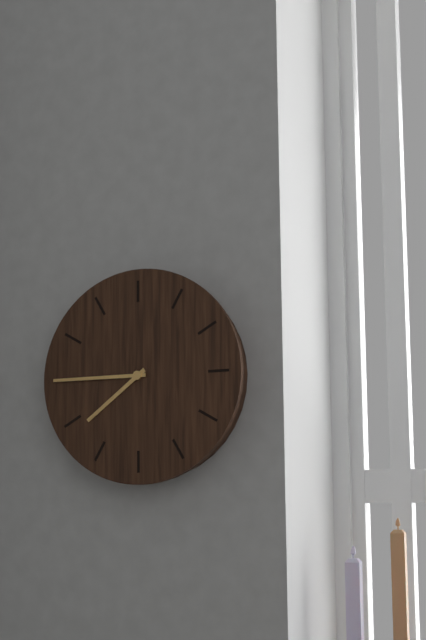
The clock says {"hour": 7, "minute": 45}
